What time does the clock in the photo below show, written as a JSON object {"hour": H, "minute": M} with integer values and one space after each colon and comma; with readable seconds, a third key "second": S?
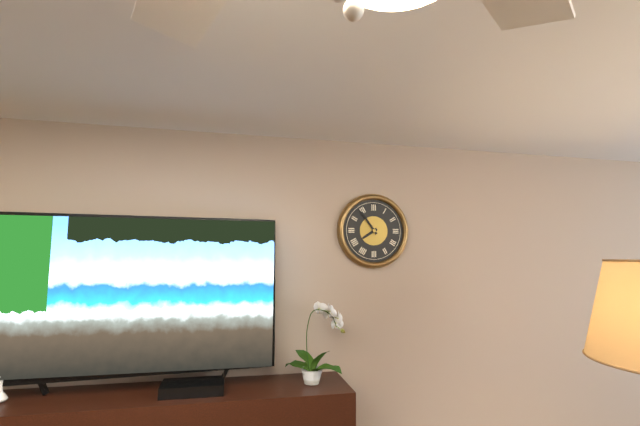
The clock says {"hour": 7, "minute": 54}
